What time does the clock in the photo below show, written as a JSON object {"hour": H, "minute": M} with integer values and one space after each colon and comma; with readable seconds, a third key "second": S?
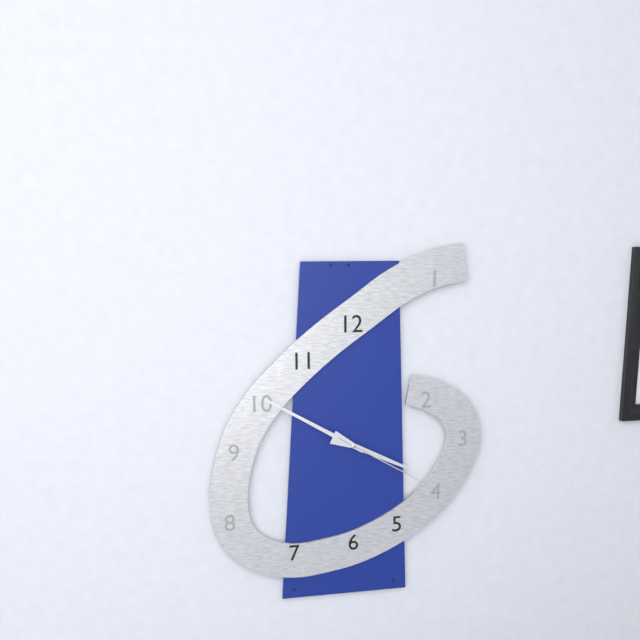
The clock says {"hour": 3, "minute": 50, "second": 20}
